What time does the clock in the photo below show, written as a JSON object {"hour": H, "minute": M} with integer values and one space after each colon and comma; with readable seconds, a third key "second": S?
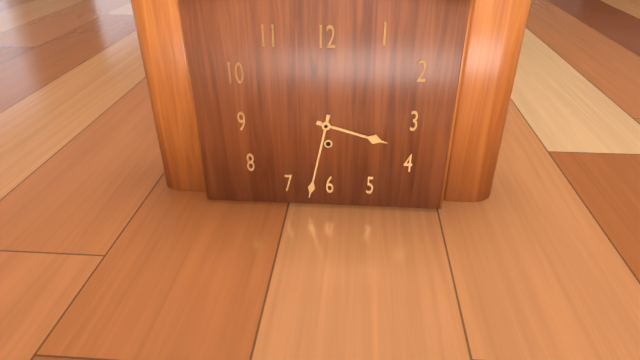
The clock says {"hour": 3, "minute": 32}
